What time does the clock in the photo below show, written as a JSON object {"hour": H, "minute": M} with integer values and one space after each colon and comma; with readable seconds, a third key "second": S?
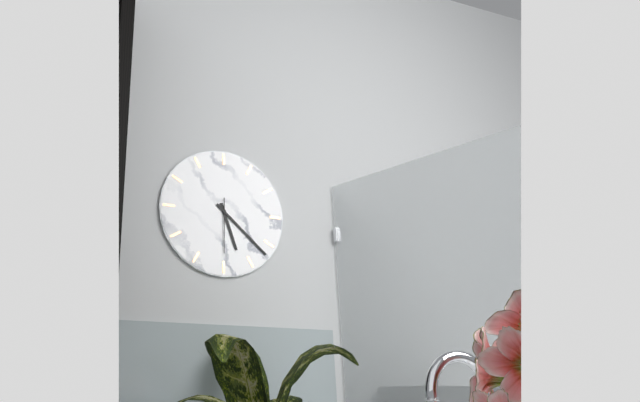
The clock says {"hour": 5, "minute": 22, "second": 30}
